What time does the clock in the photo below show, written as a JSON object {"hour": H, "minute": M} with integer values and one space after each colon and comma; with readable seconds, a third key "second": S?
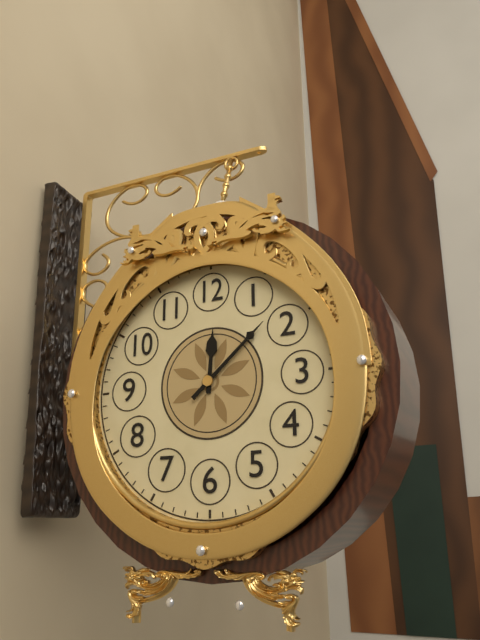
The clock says {"hour": 12, "minute": 8}
